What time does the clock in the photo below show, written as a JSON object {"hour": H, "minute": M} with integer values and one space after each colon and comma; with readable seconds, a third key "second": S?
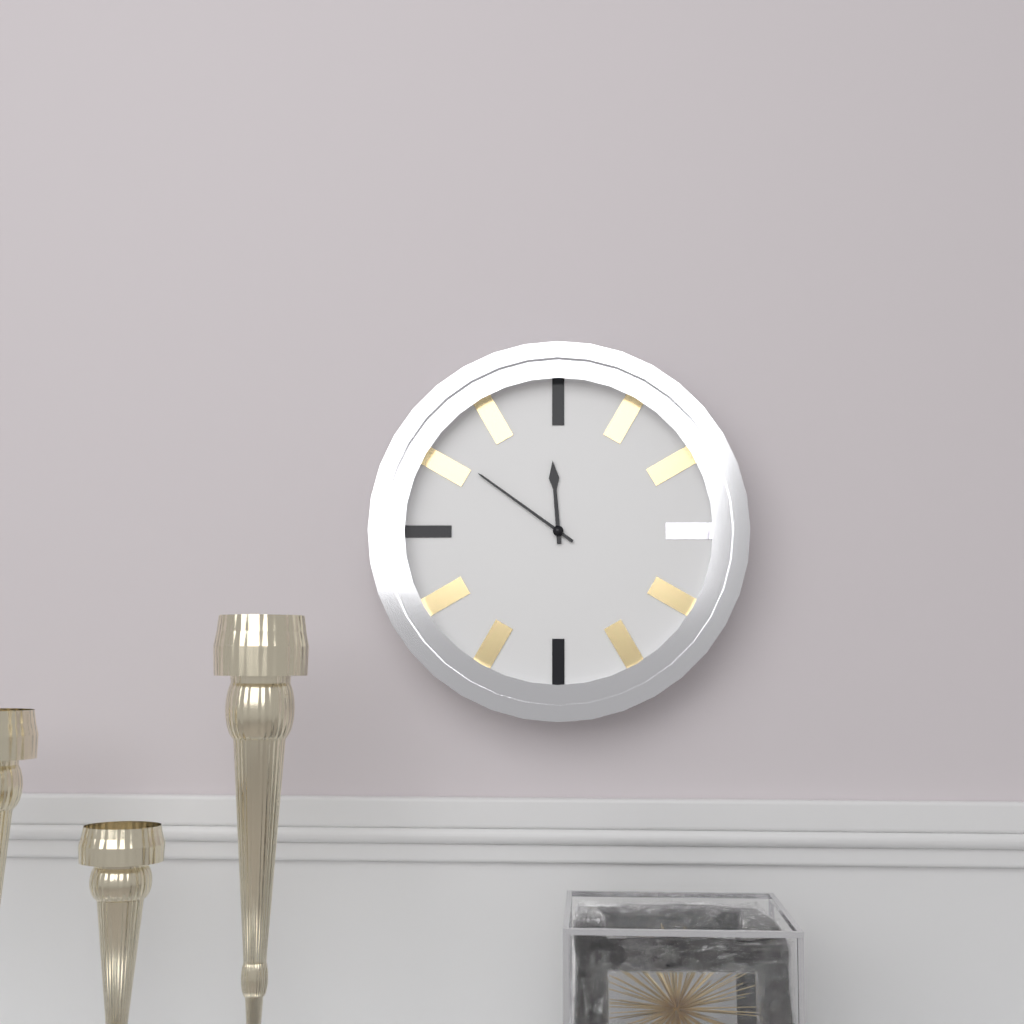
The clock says {"hour": 11, "minute": 51}
